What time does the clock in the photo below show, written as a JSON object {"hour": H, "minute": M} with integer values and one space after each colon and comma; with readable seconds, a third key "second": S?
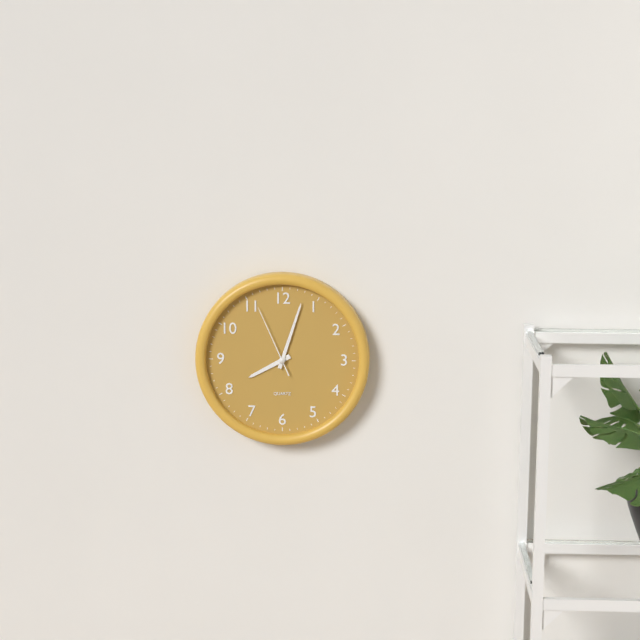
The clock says {"hour": 8, "minute": 3, "second": 56}
